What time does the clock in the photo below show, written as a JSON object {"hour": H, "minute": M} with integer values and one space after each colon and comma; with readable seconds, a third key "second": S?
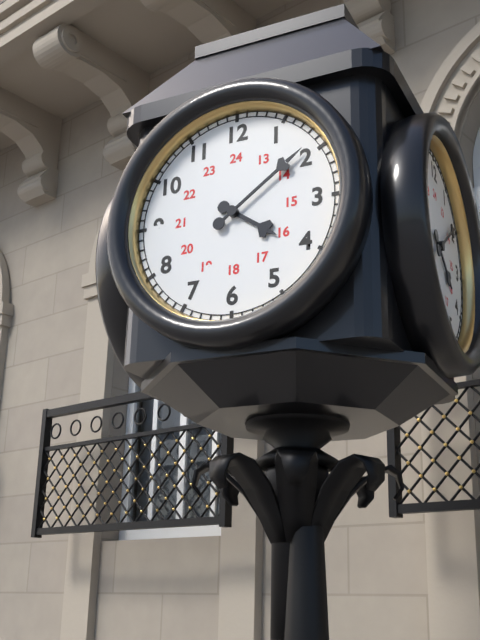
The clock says {"hour": 4, "minute": 9}
